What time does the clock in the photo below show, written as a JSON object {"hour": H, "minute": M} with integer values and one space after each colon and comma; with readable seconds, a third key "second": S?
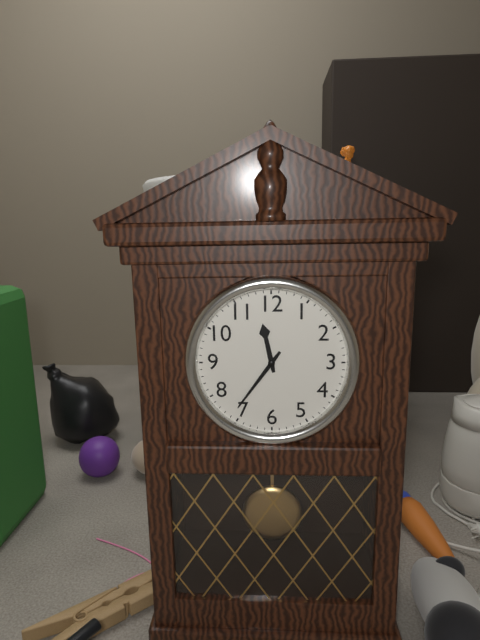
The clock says {"hour": 11, "minute": 36}
